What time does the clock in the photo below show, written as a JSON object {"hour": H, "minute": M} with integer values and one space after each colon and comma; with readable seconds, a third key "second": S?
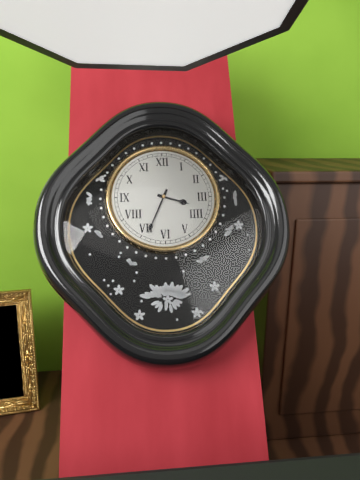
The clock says {"hour": 3, "minute": 34}
